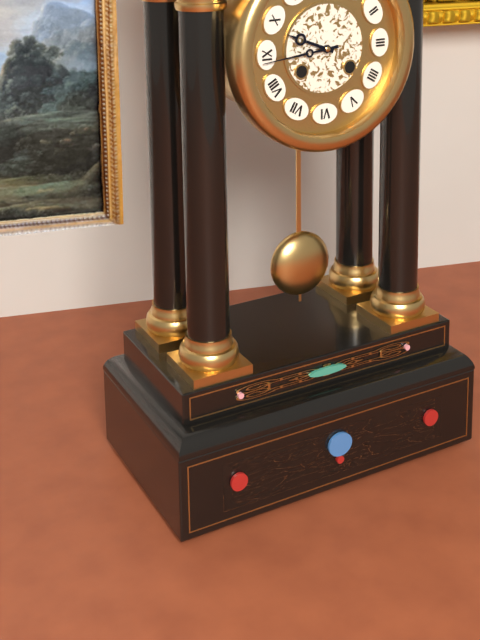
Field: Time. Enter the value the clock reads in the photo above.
9:44
